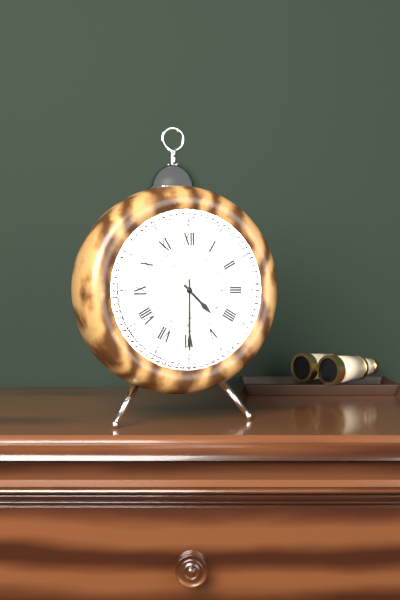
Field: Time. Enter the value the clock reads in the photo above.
4:30
